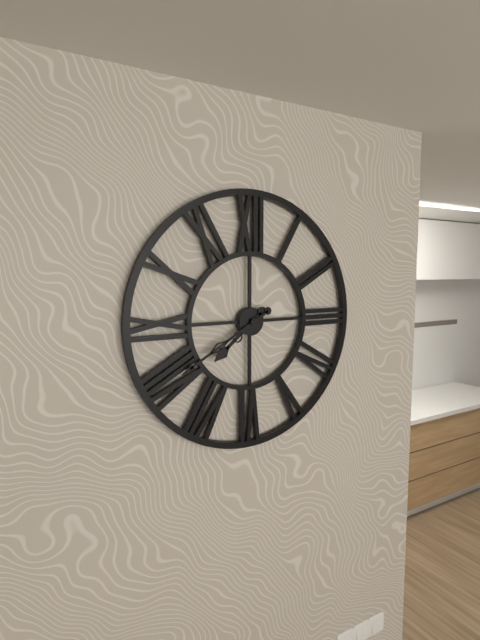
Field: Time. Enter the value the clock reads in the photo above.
7:40
